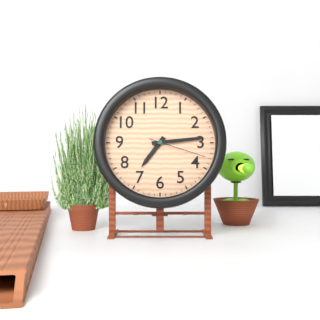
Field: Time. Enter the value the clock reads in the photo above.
7:14:18
